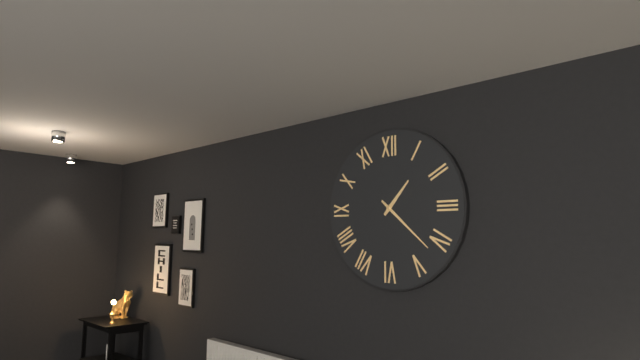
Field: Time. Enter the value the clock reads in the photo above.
1:22
